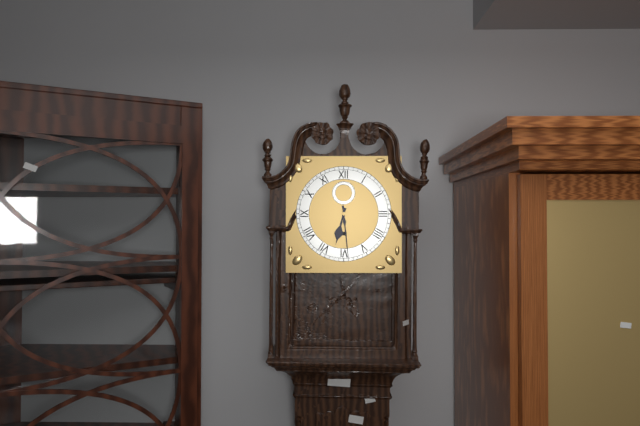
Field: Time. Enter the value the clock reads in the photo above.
6:29
